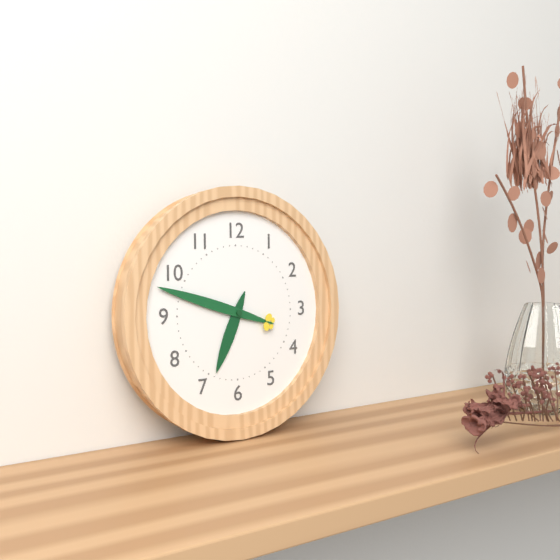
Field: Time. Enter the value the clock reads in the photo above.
6:48
